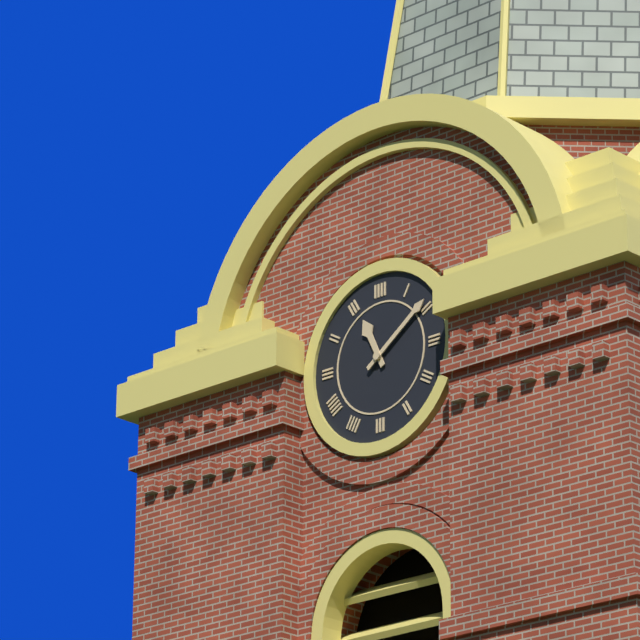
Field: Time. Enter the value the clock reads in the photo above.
11:09
